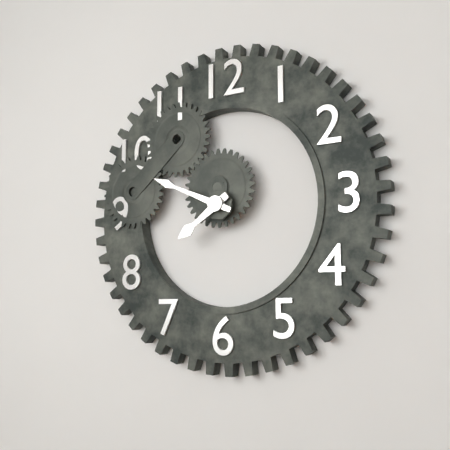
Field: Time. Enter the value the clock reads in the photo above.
7:49
